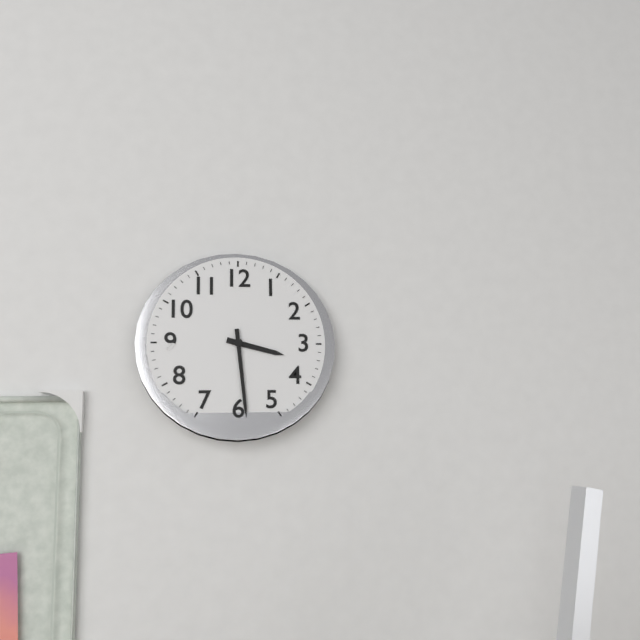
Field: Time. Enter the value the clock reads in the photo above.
3:29
